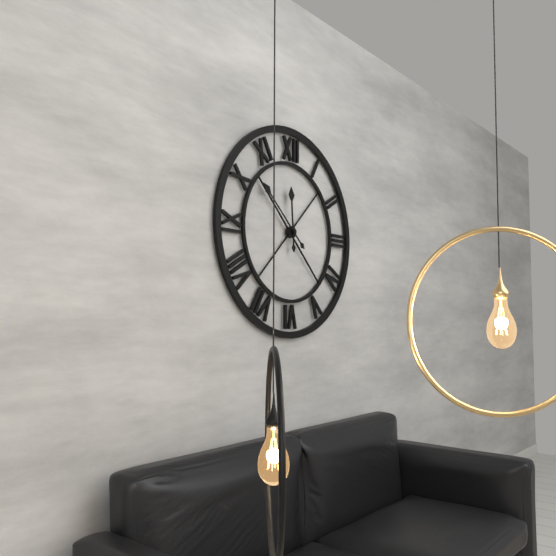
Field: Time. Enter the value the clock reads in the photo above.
11:52
